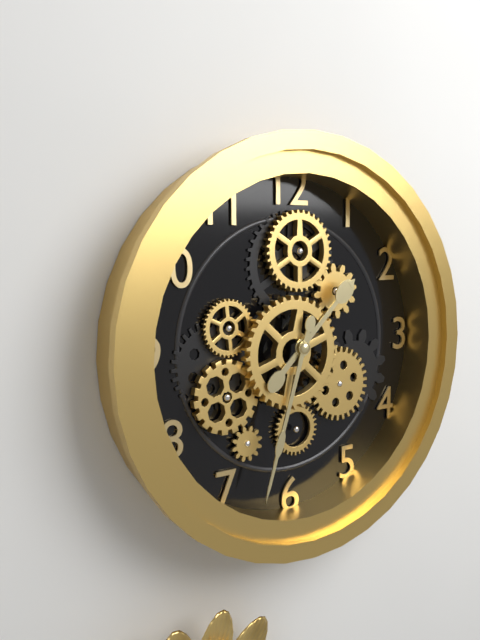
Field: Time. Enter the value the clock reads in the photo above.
1:33
